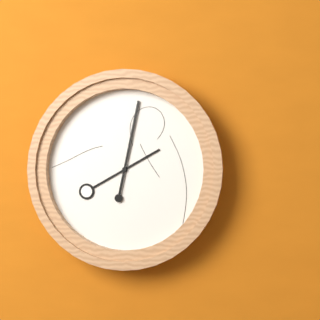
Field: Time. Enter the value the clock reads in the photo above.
2:02
